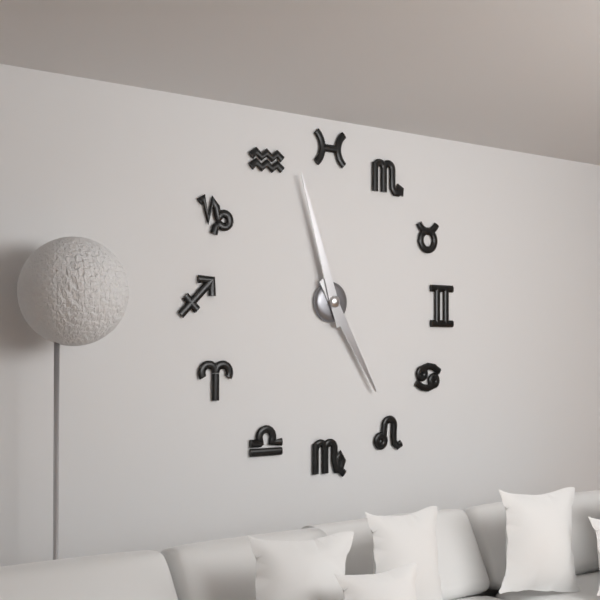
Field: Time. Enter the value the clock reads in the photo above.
4:57
